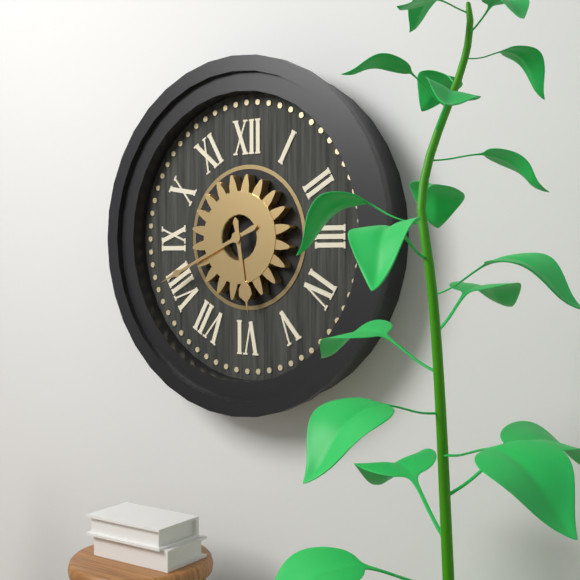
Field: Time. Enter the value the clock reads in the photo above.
5:41
